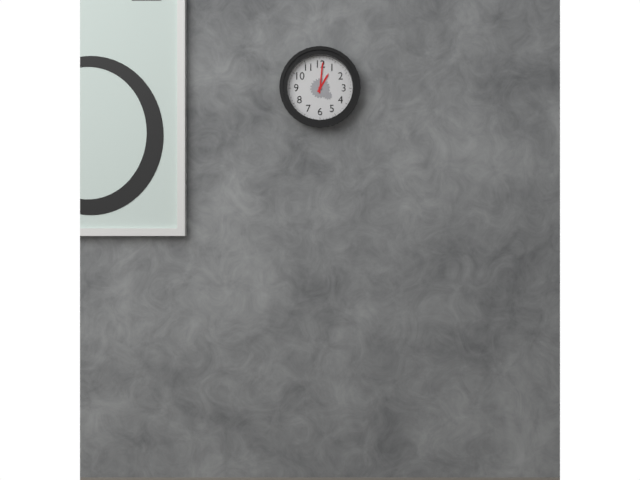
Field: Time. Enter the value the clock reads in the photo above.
1:01
